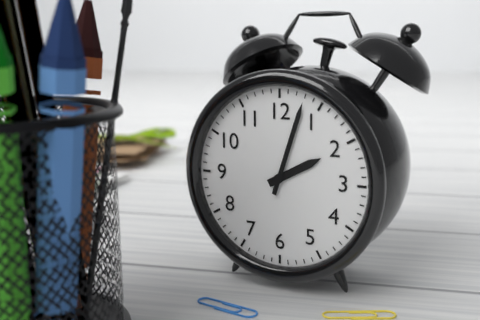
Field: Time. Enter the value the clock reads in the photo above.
2:03
